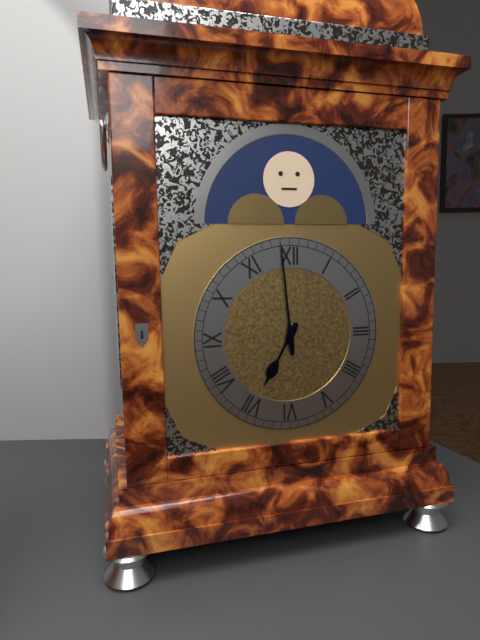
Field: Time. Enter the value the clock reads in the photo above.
6:59
